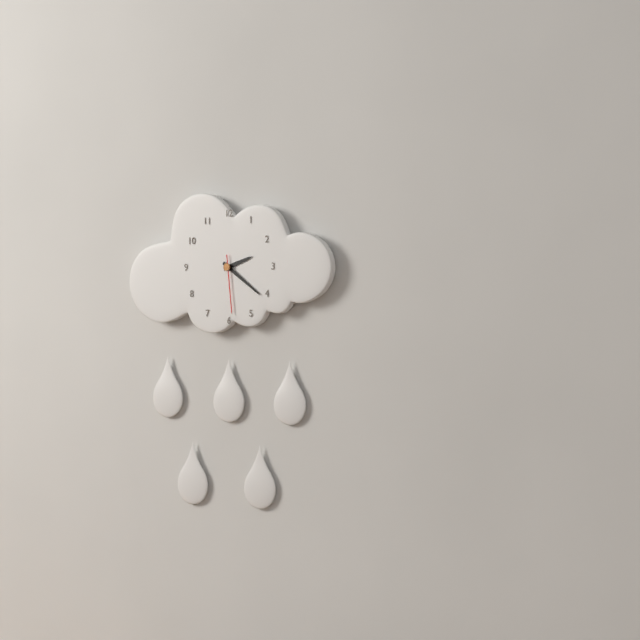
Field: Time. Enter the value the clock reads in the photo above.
2:21:29
